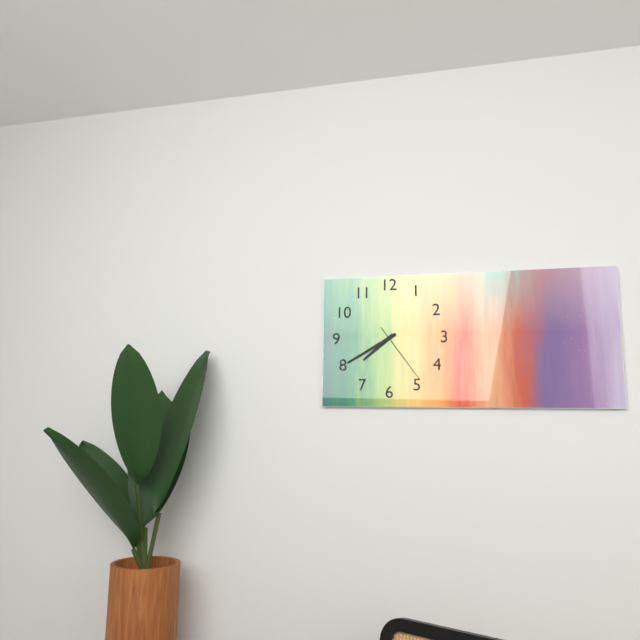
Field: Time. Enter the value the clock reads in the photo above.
7:40:24
